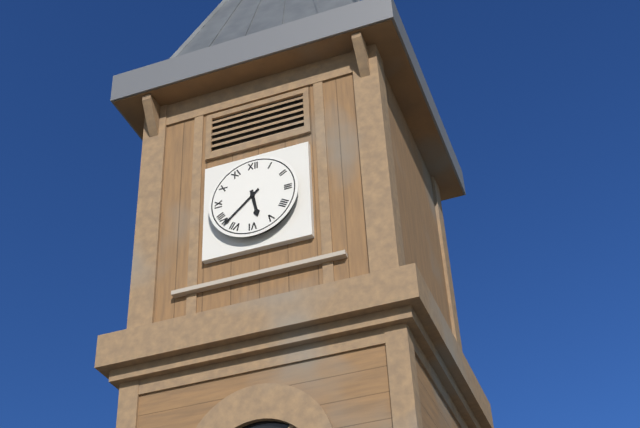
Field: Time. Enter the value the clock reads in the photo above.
5:38
